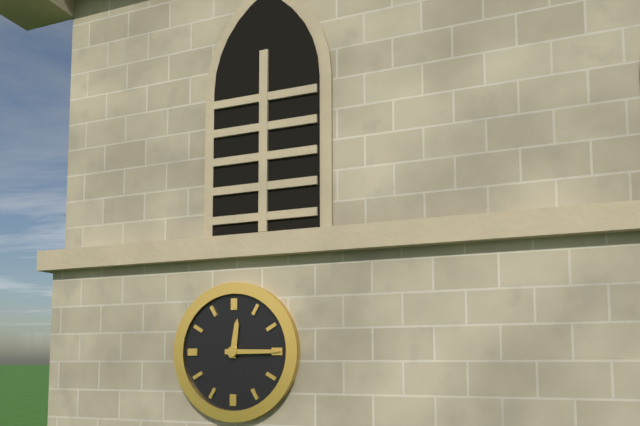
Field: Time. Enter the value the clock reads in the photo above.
12:15
